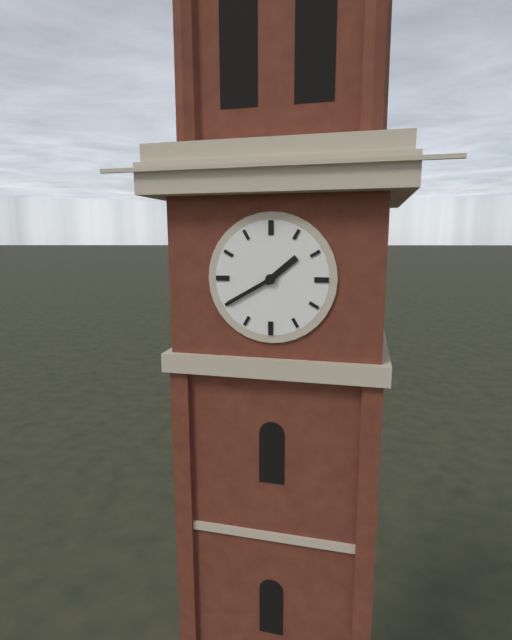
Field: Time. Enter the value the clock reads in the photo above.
1:40
